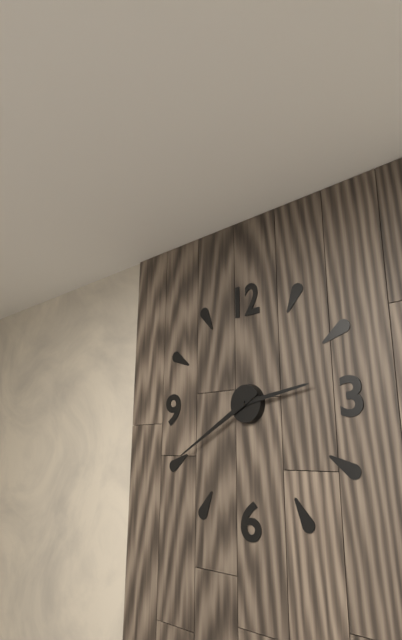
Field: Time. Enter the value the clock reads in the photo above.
2:40
